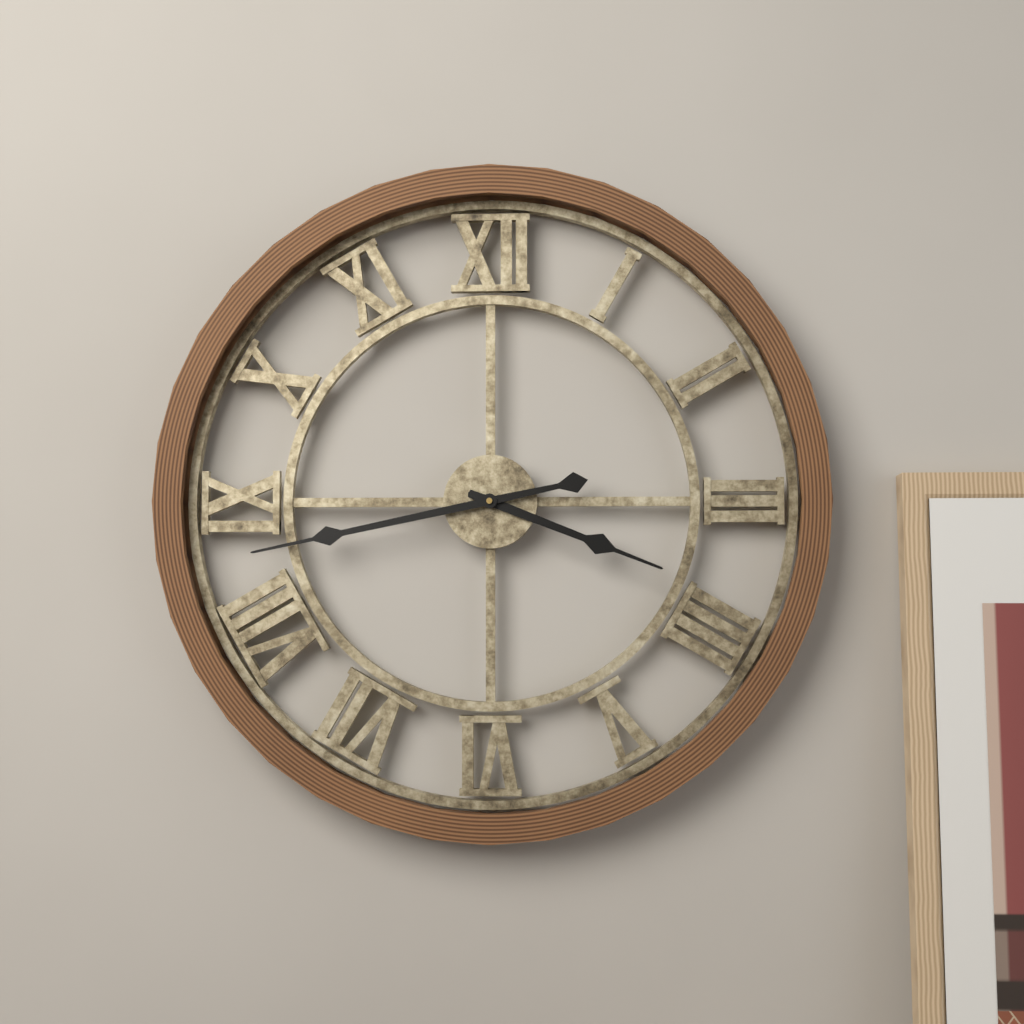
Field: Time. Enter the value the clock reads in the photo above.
3:43
